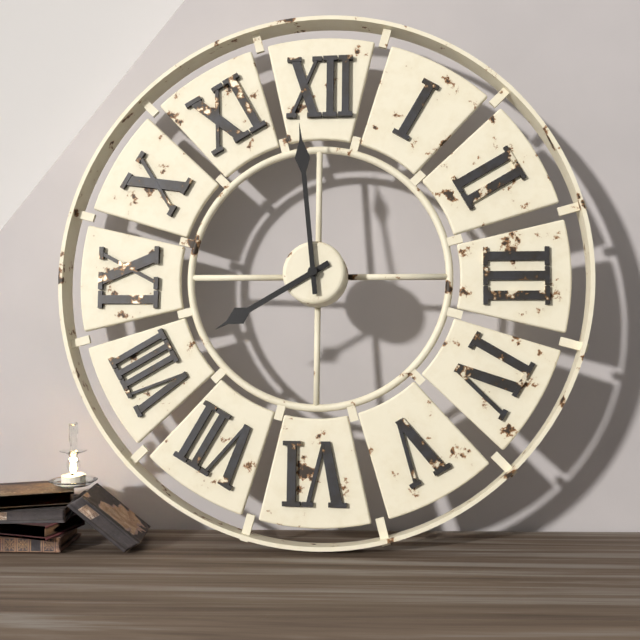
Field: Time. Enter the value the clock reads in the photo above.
7:59
